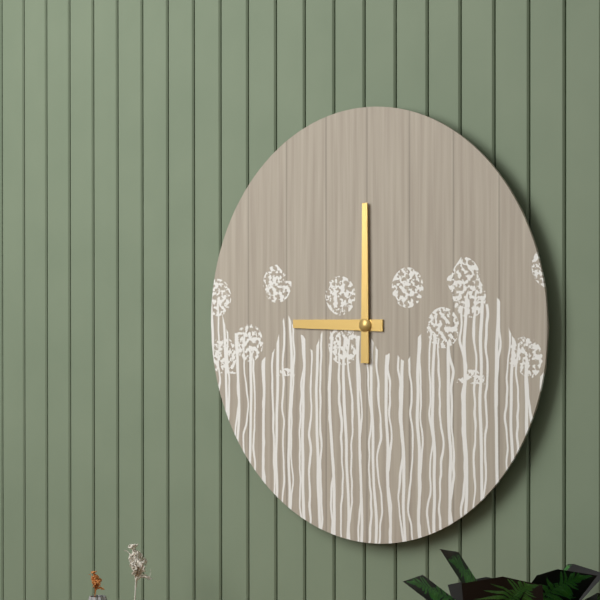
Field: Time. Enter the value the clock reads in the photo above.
9:00
